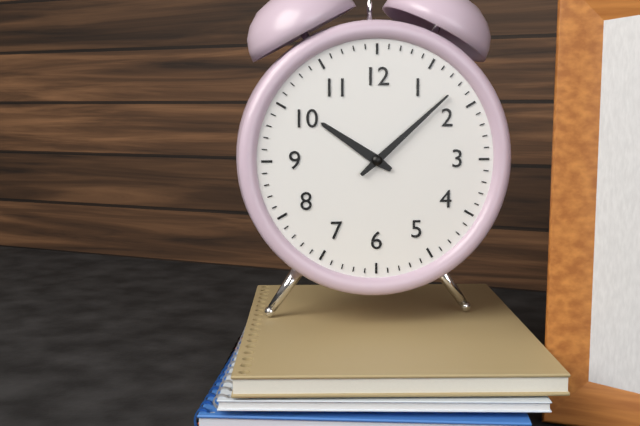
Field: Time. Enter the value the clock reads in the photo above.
10:08
